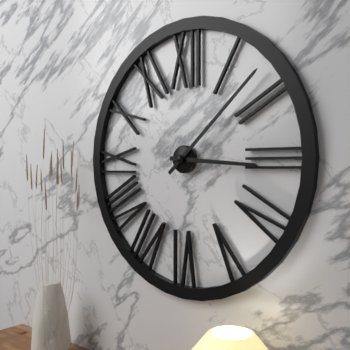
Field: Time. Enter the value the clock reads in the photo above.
3:08
